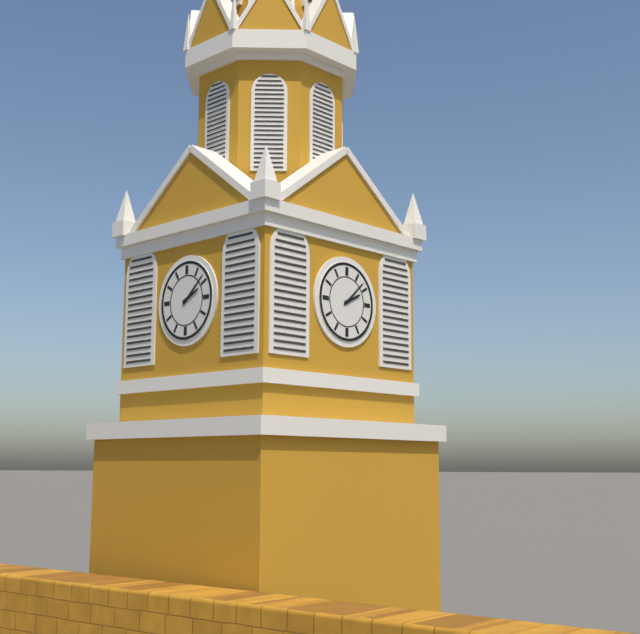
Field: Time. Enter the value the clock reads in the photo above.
2:08
